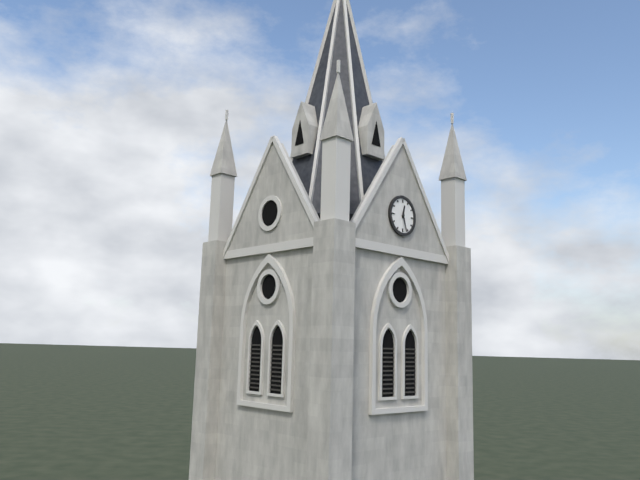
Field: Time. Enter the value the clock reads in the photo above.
12:27
